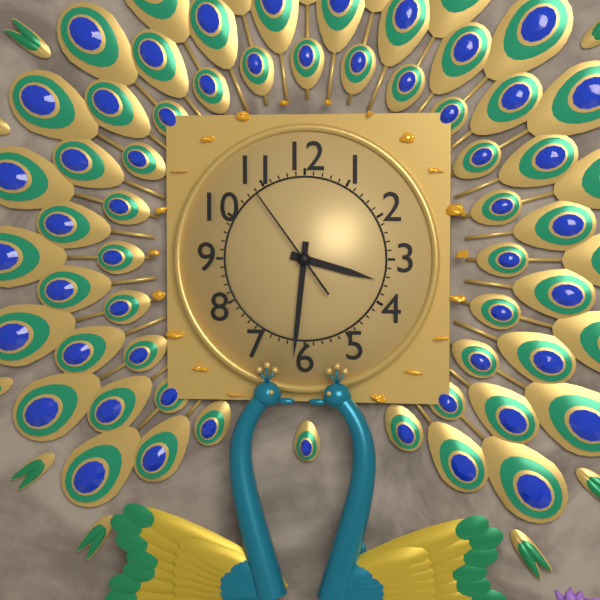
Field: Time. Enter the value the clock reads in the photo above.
3:31:54
